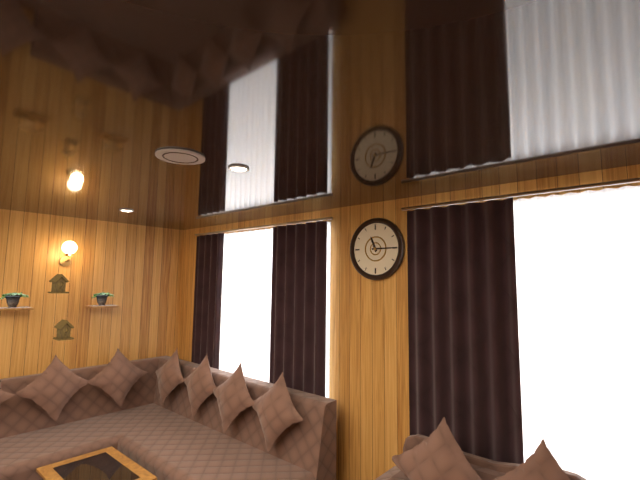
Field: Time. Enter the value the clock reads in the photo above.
11:15
